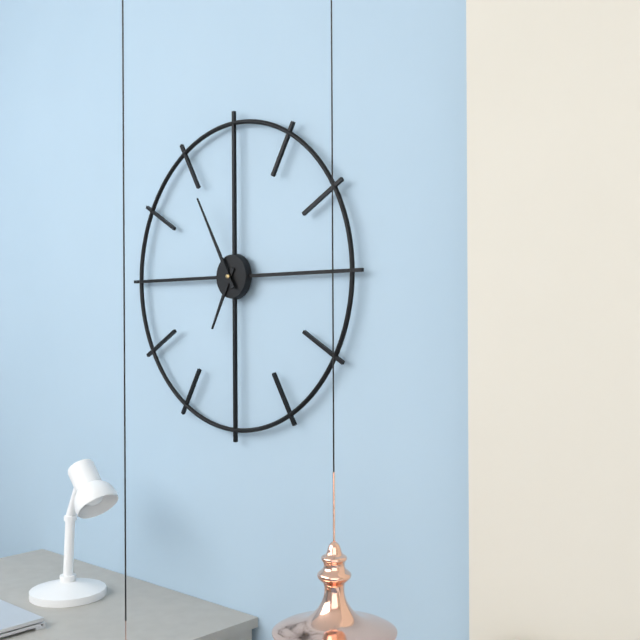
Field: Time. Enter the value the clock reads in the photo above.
6:55
